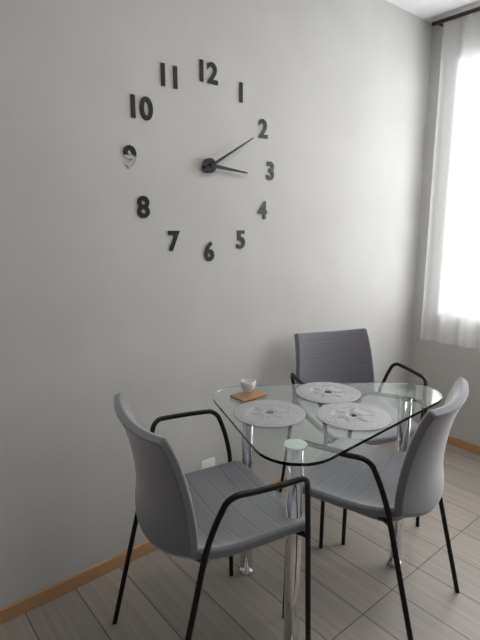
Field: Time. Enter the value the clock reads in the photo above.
3:10
